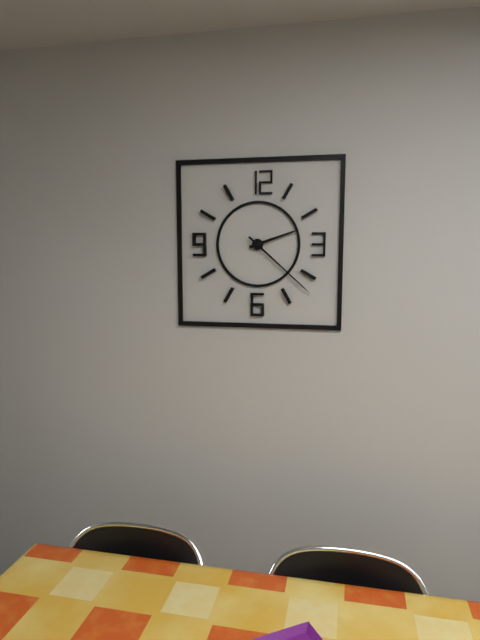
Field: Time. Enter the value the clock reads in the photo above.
2:22
